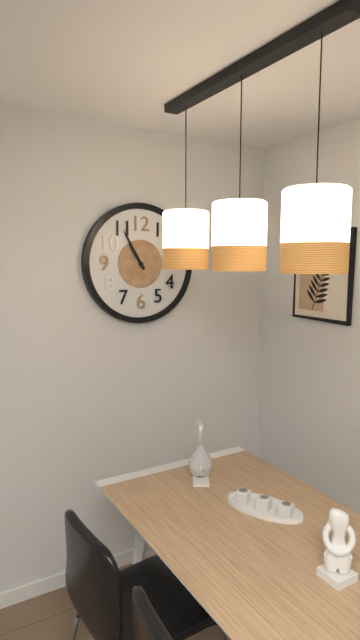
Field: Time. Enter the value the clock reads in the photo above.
10:55
